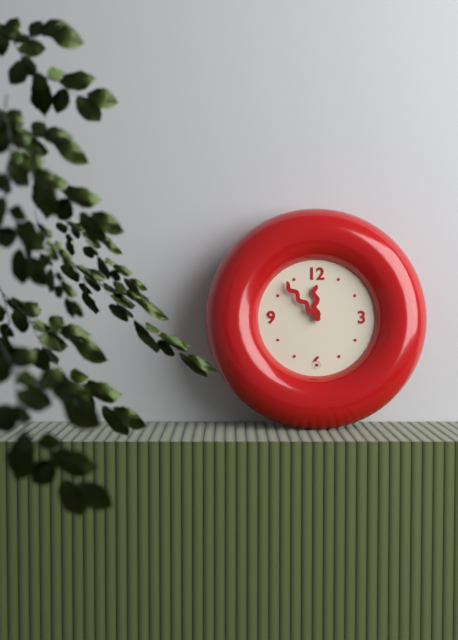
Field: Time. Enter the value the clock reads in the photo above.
11:53
